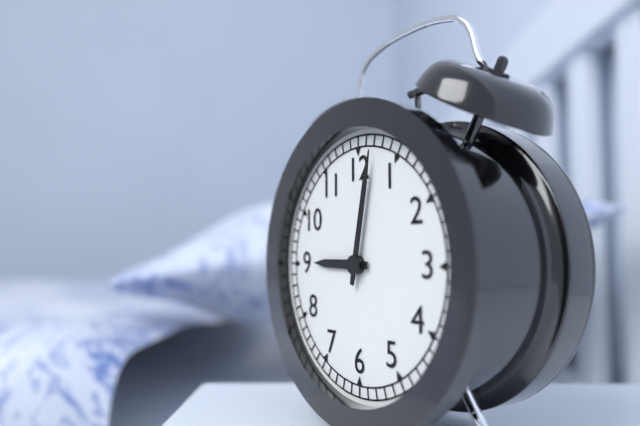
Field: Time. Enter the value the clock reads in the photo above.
9:02
